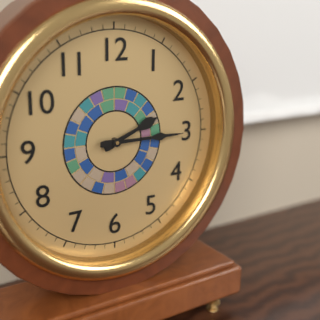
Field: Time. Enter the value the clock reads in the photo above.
2:15
